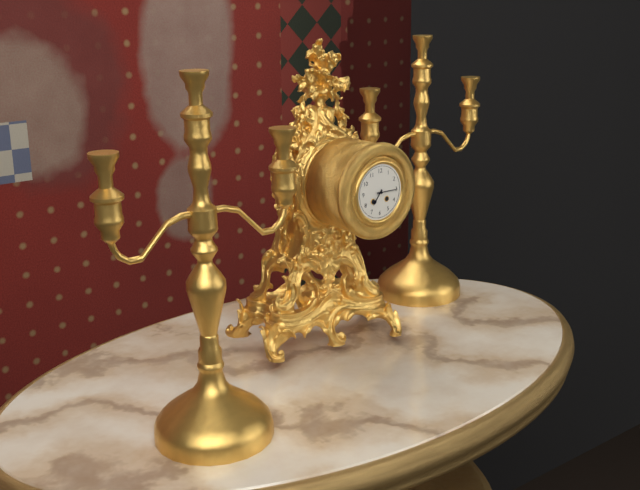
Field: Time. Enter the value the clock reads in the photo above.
7:15
